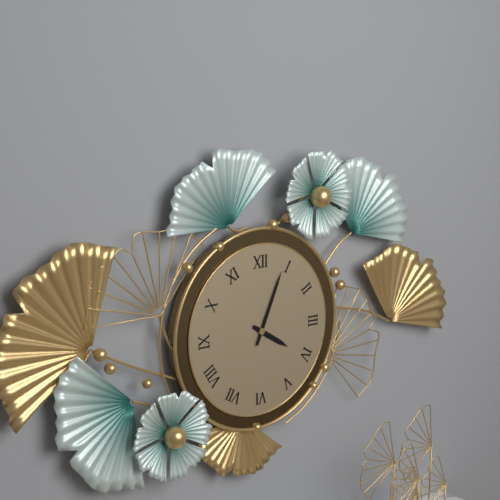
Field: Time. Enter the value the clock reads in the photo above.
4:04
